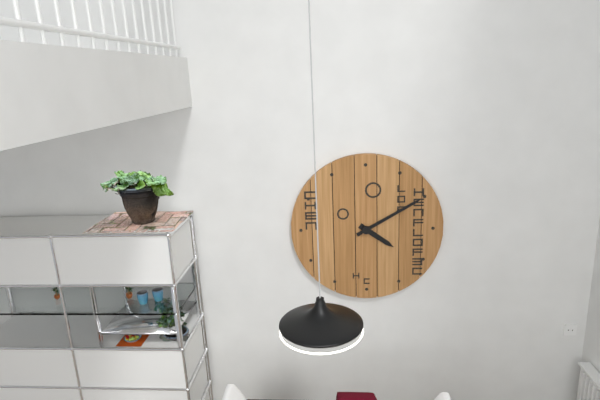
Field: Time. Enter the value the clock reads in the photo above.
4:10
